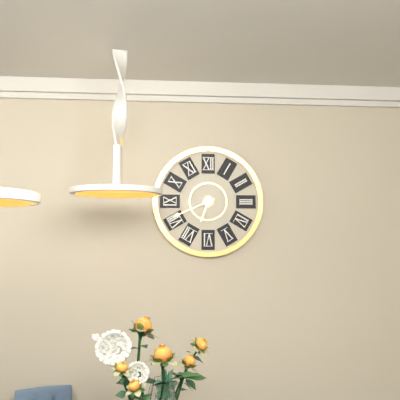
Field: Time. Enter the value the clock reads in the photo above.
6:41
